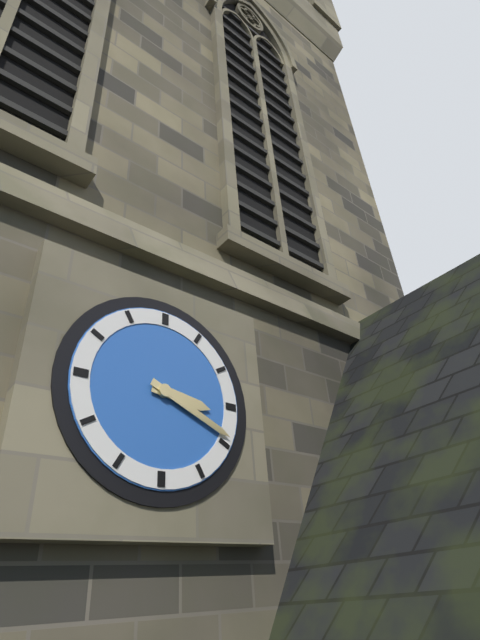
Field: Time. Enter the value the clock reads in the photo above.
3:19
